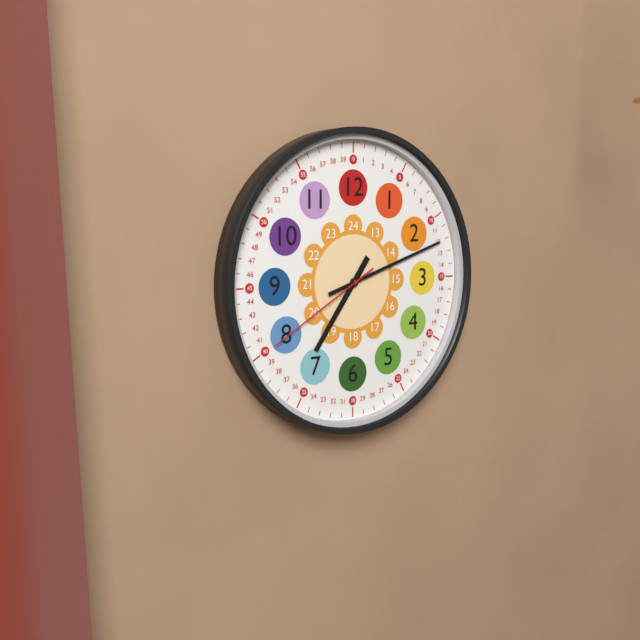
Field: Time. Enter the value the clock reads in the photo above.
7:12:40
